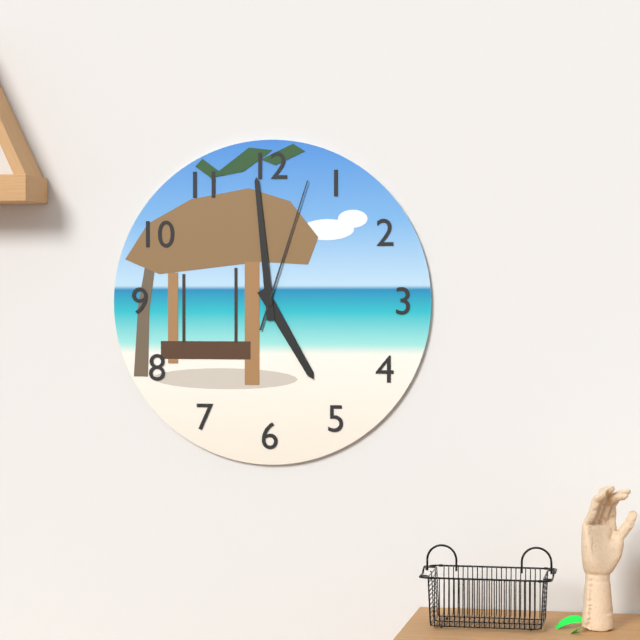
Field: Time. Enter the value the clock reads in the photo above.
4:59:03
